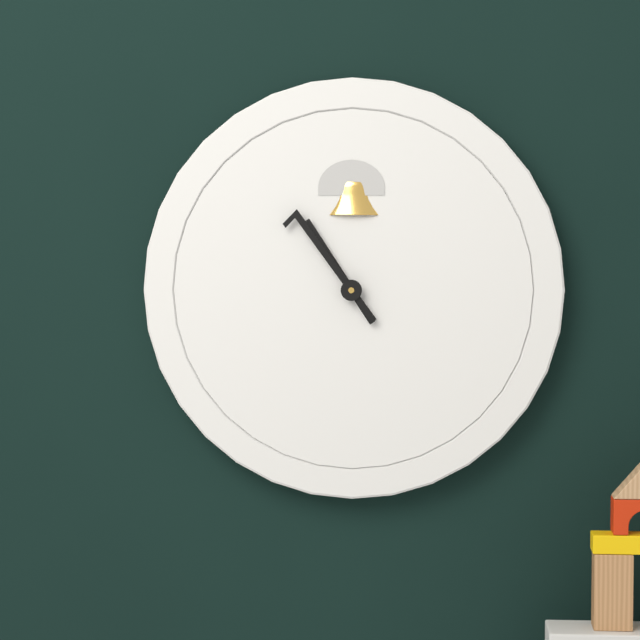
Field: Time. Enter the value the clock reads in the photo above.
10:54
